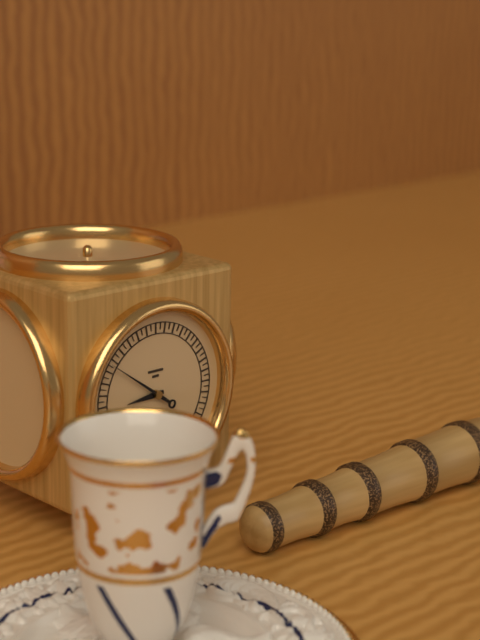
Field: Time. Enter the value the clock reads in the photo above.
8:51
